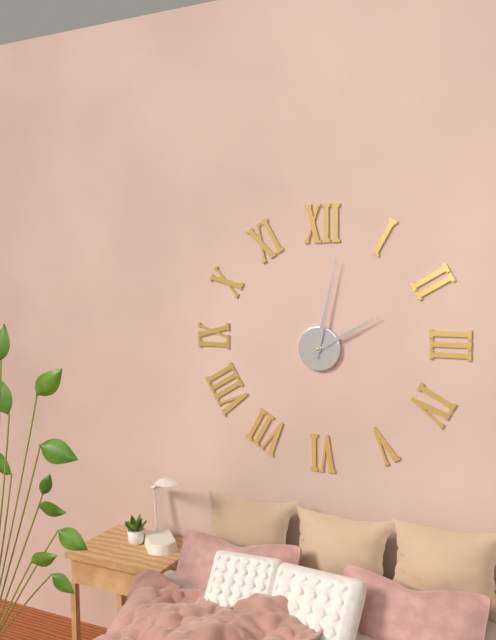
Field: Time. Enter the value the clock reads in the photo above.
2:02
